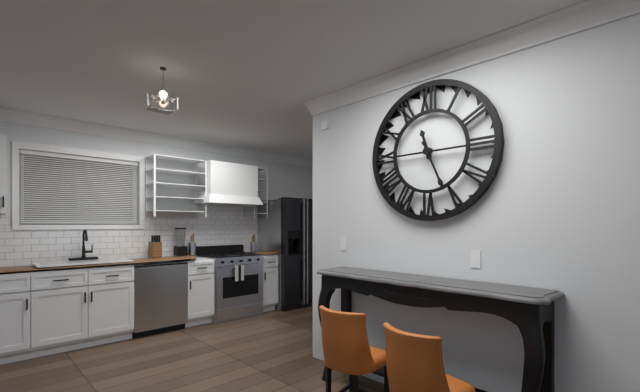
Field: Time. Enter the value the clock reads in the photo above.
11:26
